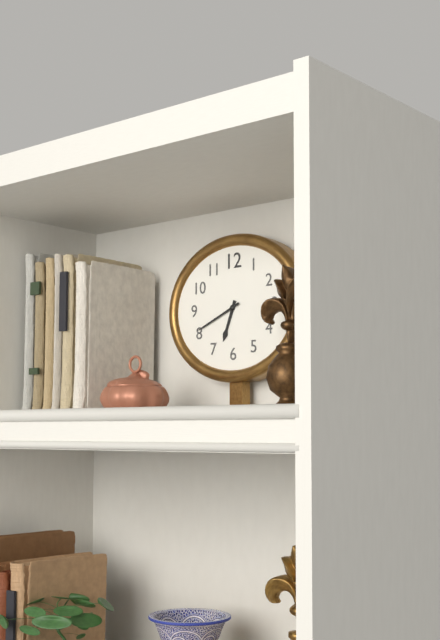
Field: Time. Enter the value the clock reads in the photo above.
6:41
